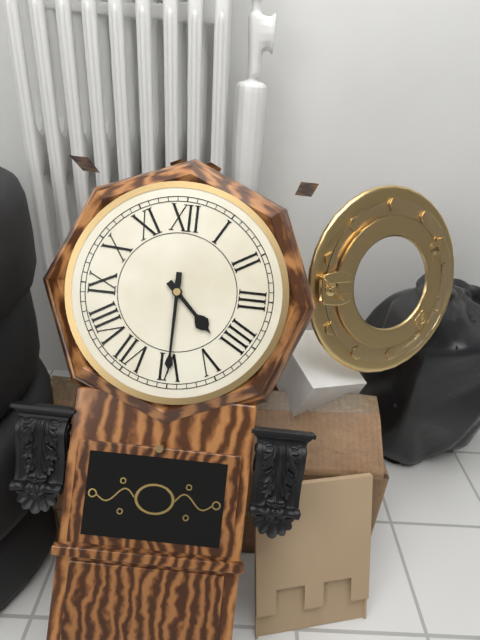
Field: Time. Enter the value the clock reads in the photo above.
4:30
